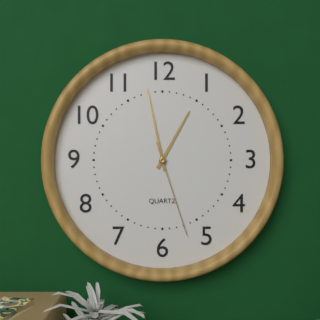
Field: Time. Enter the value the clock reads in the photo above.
12:58:27
